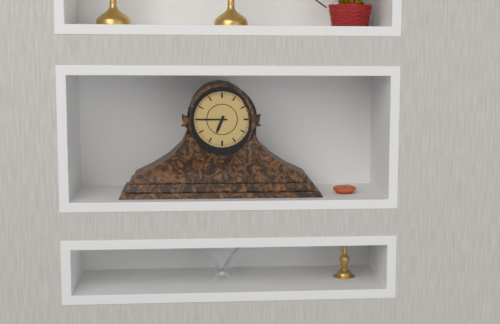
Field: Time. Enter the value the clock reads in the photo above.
6:45
